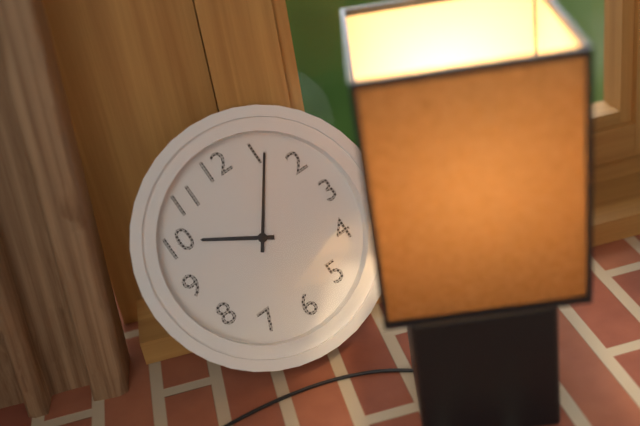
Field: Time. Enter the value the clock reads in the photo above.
10:06
